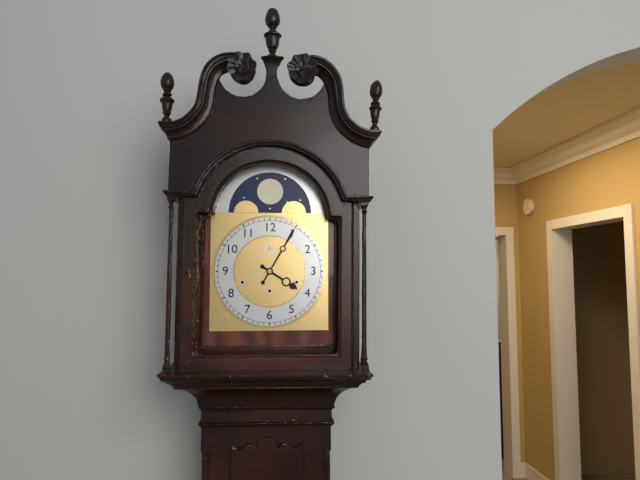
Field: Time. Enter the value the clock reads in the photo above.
4:05
